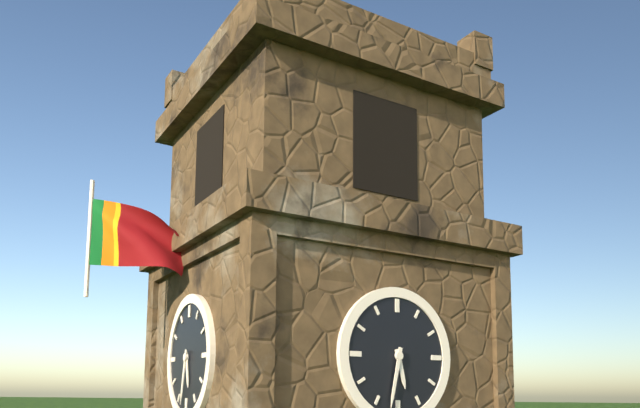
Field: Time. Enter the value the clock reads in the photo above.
5:32
